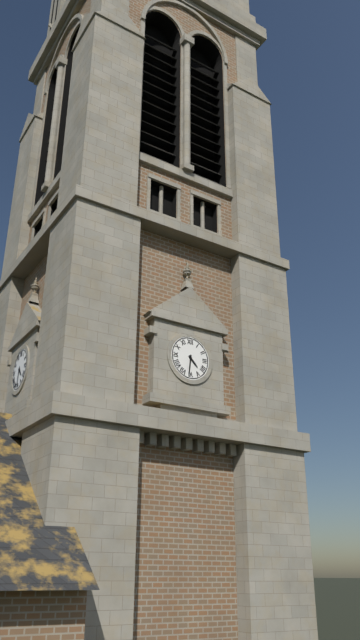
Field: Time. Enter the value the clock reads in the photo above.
4:31
